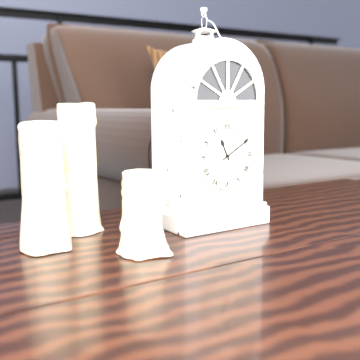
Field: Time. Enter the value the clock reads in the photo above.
11:10
